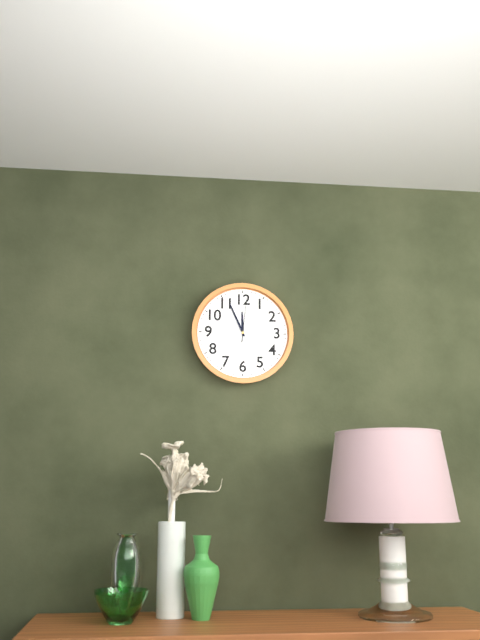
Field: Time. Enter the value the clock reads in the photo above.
11:56
